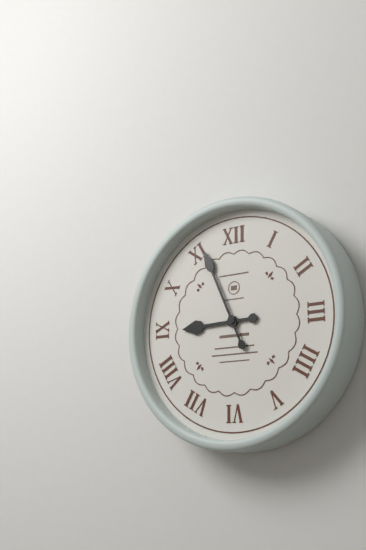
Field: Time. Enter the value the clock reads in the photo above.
8:56
